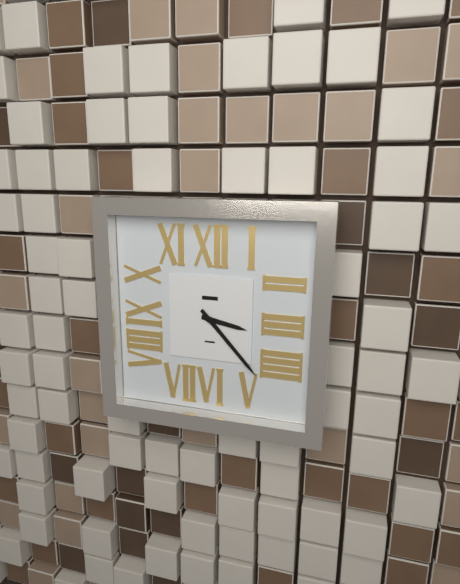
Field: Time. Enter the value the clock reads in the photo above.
3:23
